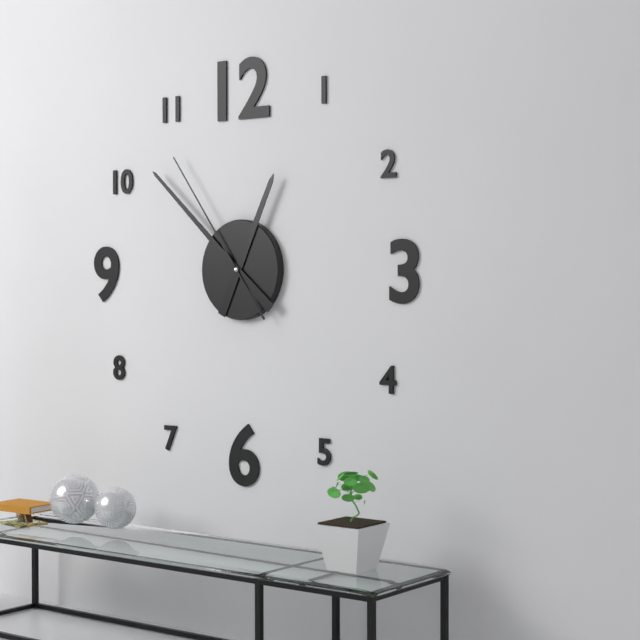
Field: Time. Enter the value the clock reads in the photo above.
12:52:54
